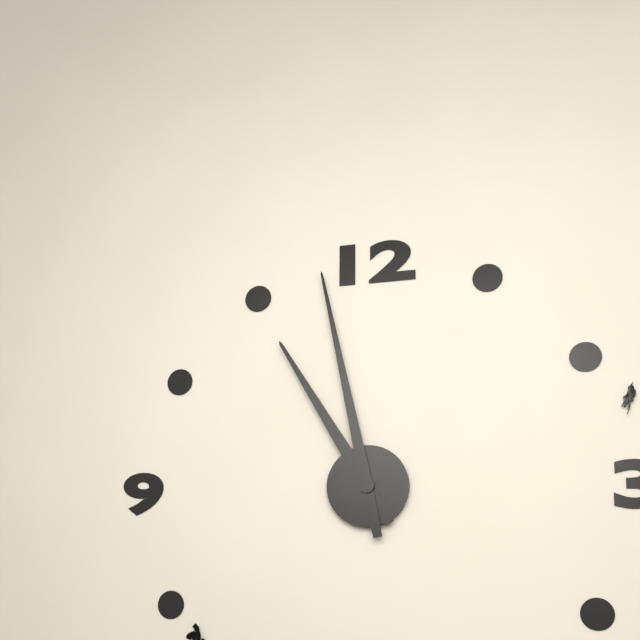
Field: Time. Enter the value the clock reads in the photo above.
10:58
